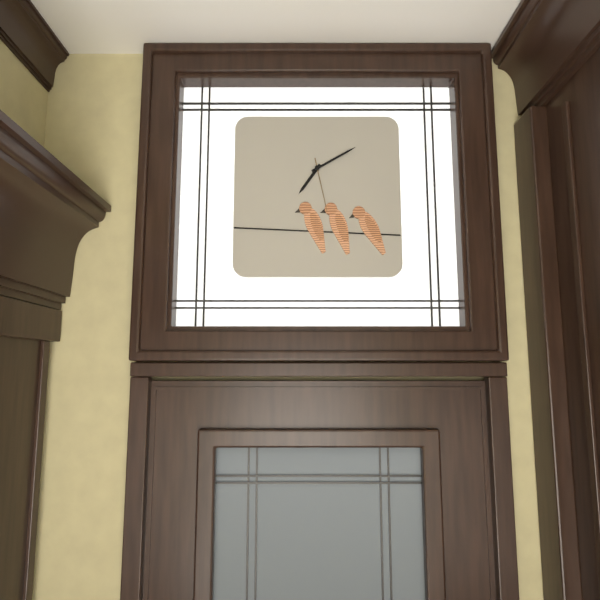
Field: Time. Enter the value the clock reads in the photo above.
7:10:28
